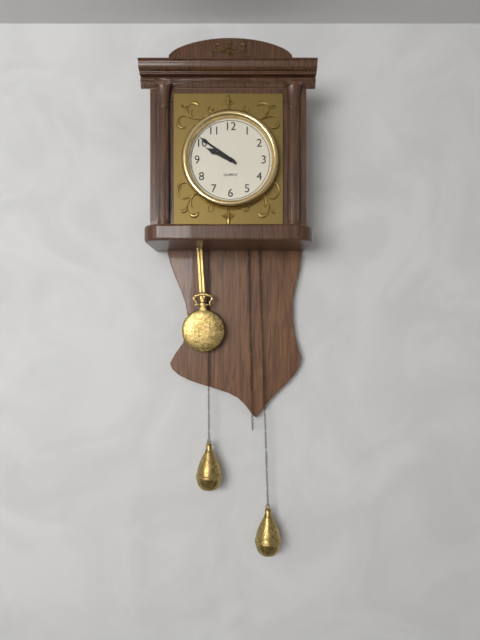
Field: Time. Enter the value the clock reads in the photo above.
9:51
